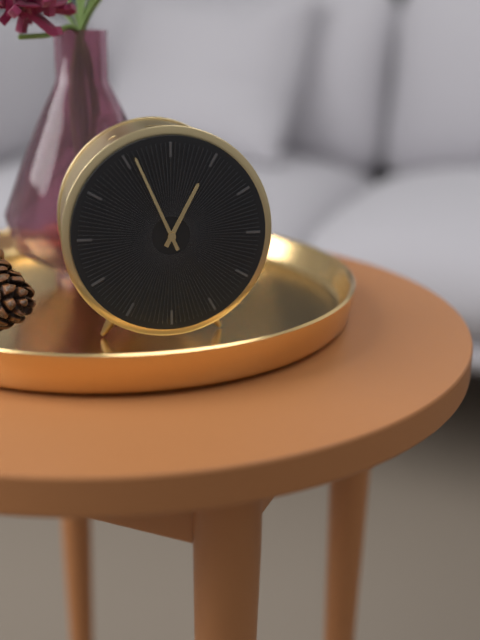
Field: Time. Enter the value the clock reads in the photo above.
12:56
